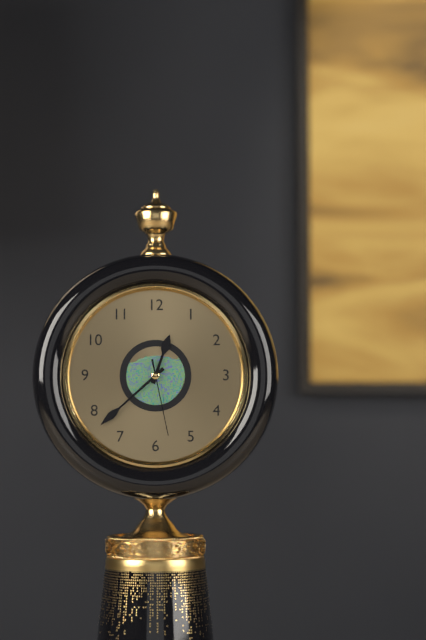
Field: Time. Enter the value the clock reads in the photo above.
12:38:28
